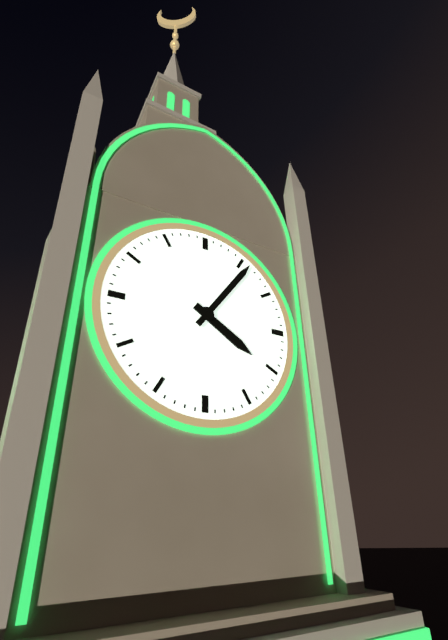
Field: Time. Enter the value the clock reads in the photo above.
4:06
